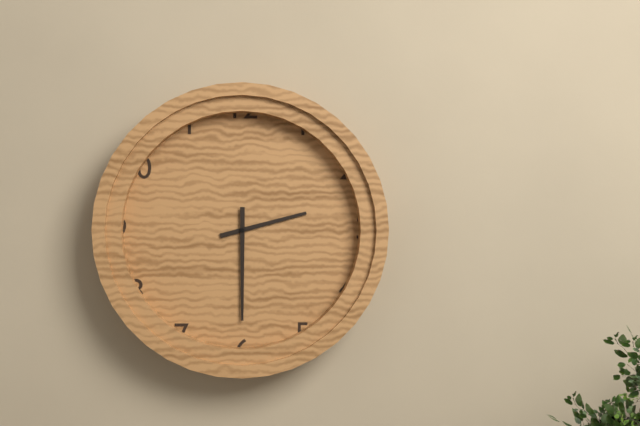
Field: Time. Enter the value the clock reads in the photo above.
2:30
